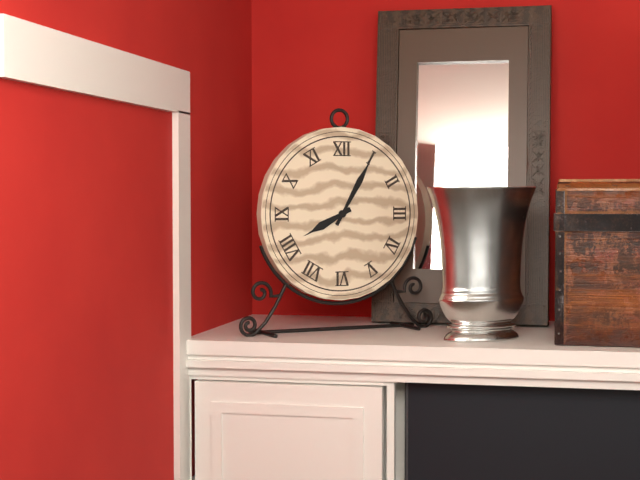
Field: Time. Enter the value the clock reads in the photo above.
8:05
